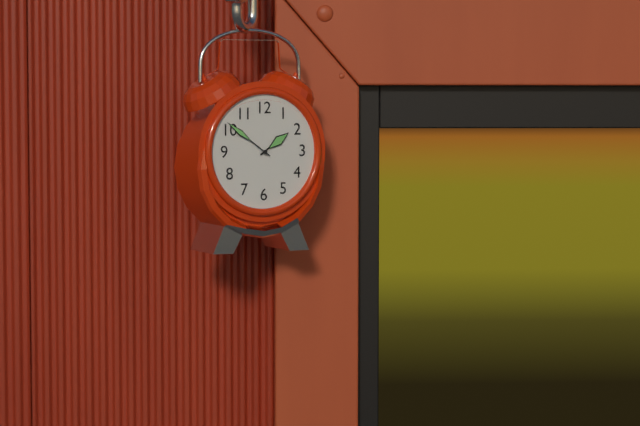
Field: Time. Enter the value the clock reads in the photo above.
1:51
